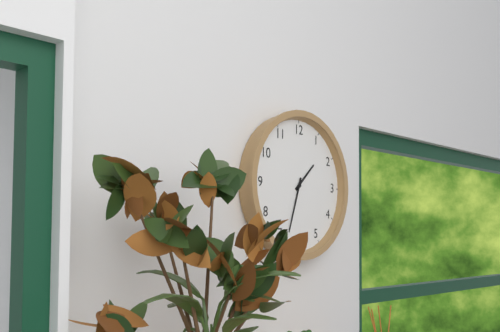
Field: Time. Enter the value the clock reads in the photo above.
1:33
